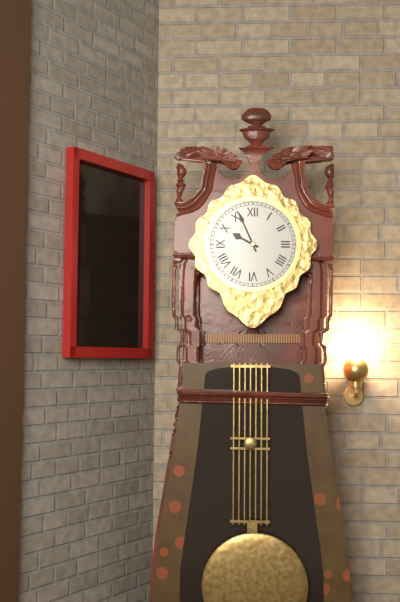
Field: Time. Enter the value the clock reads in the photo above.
9:56
